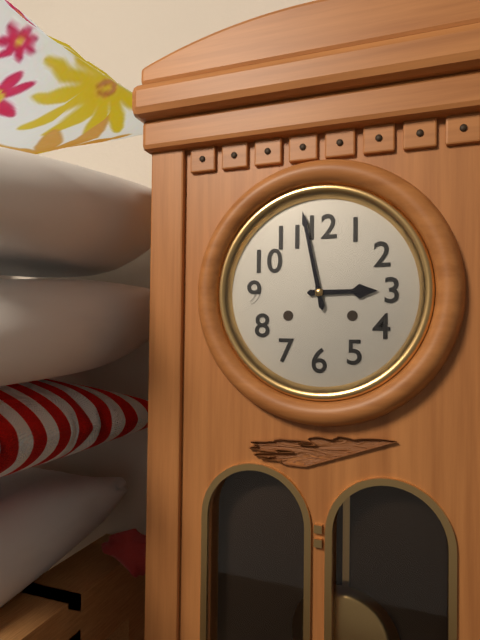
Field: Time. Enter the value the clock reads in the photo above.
2:58
